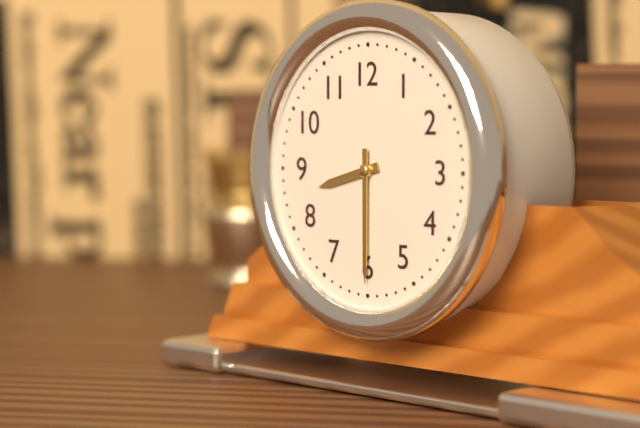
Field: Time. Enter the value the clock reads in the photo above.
8:30
